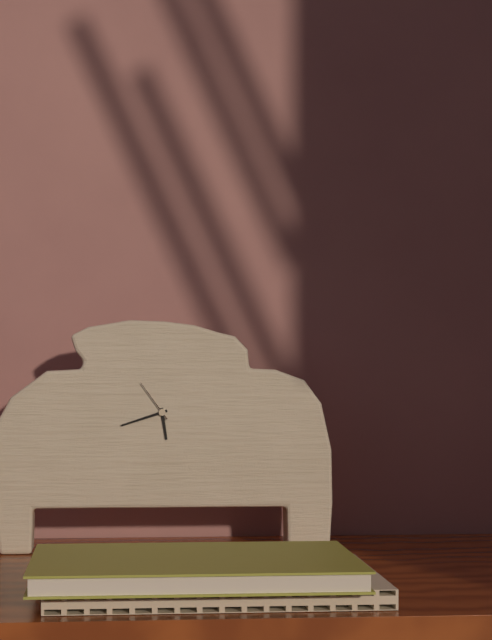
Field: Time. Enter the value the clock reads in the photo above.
5:42
